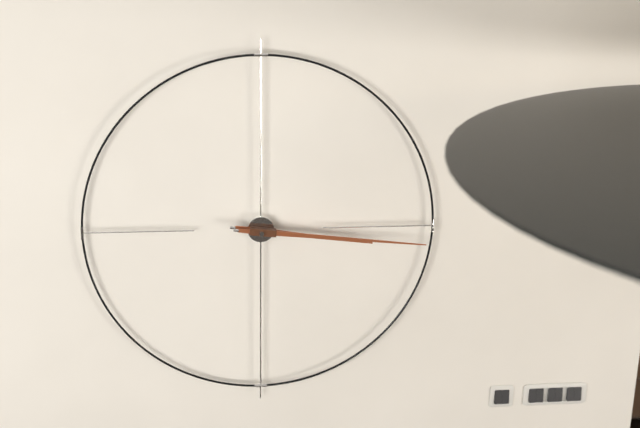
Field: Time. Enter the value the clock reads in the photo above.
3:16
